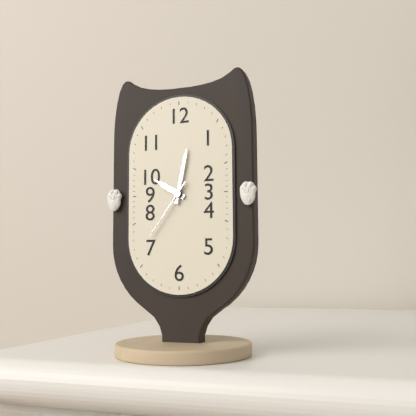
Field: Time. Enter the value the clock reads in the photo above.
10:02:36
